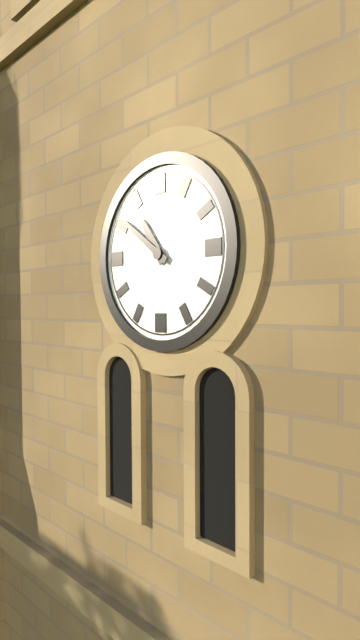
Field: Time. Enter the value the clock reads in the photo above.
10:51
